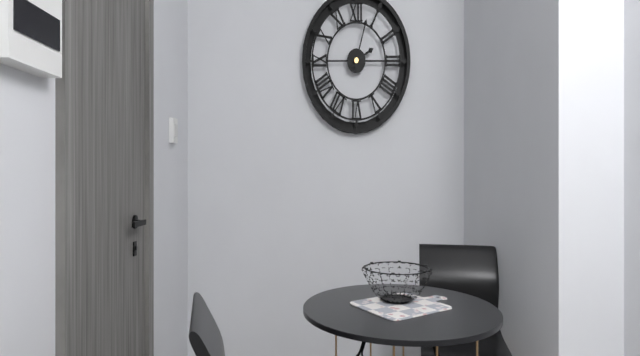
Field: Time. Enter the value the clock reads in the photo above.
2:03
